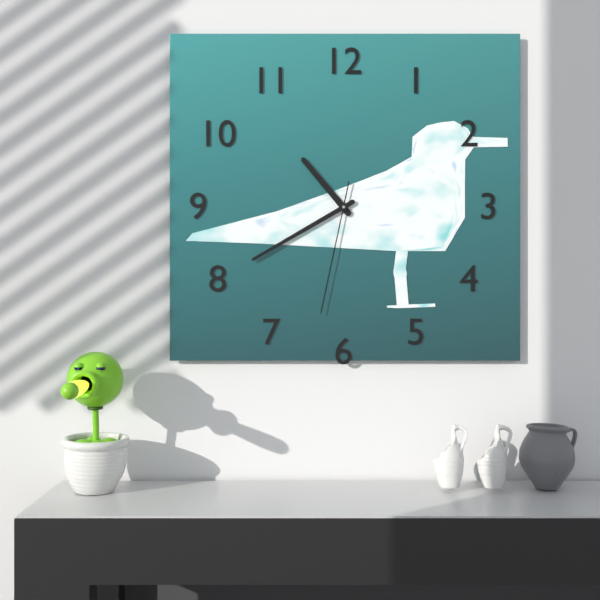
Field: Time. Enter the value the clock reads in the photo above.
10:40:32
